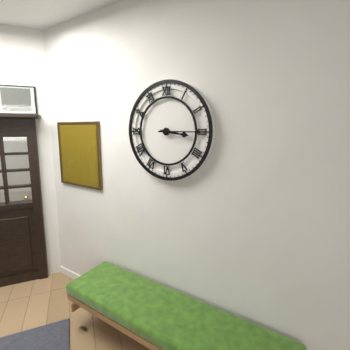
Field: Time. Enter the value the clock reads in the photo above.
3:15
